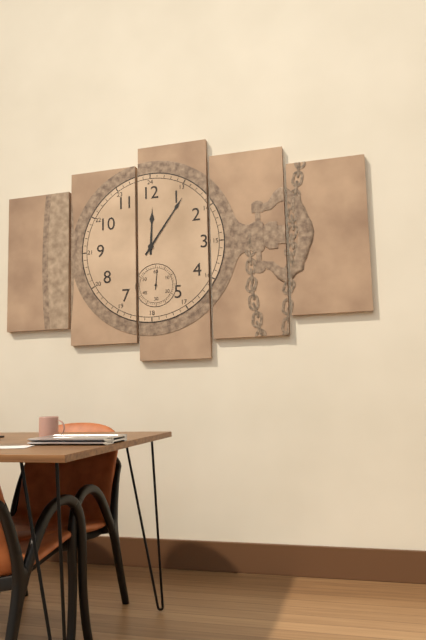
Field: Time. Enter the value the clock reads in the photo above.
12:06
